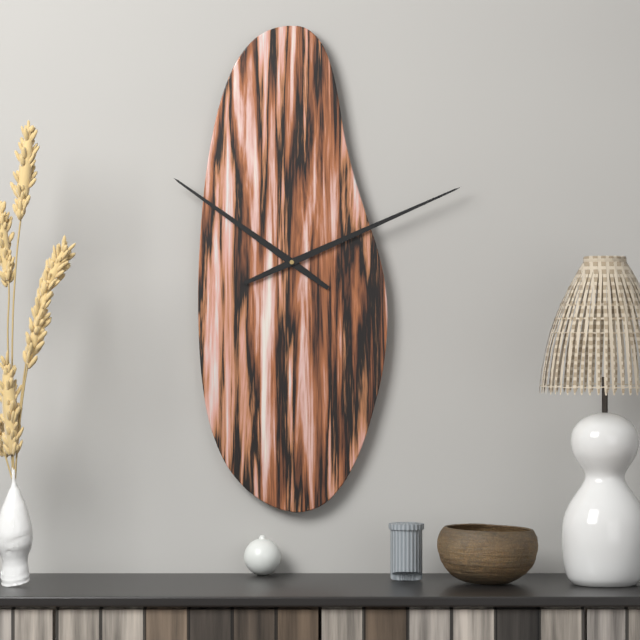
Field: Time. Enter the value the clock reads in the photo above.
10:11
